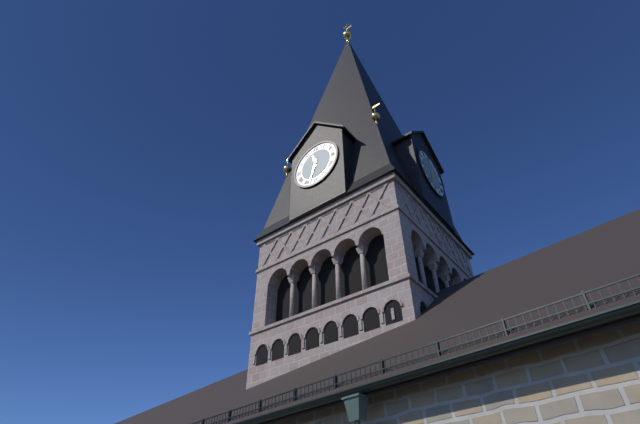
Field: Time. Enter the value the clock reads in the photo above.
11:33
